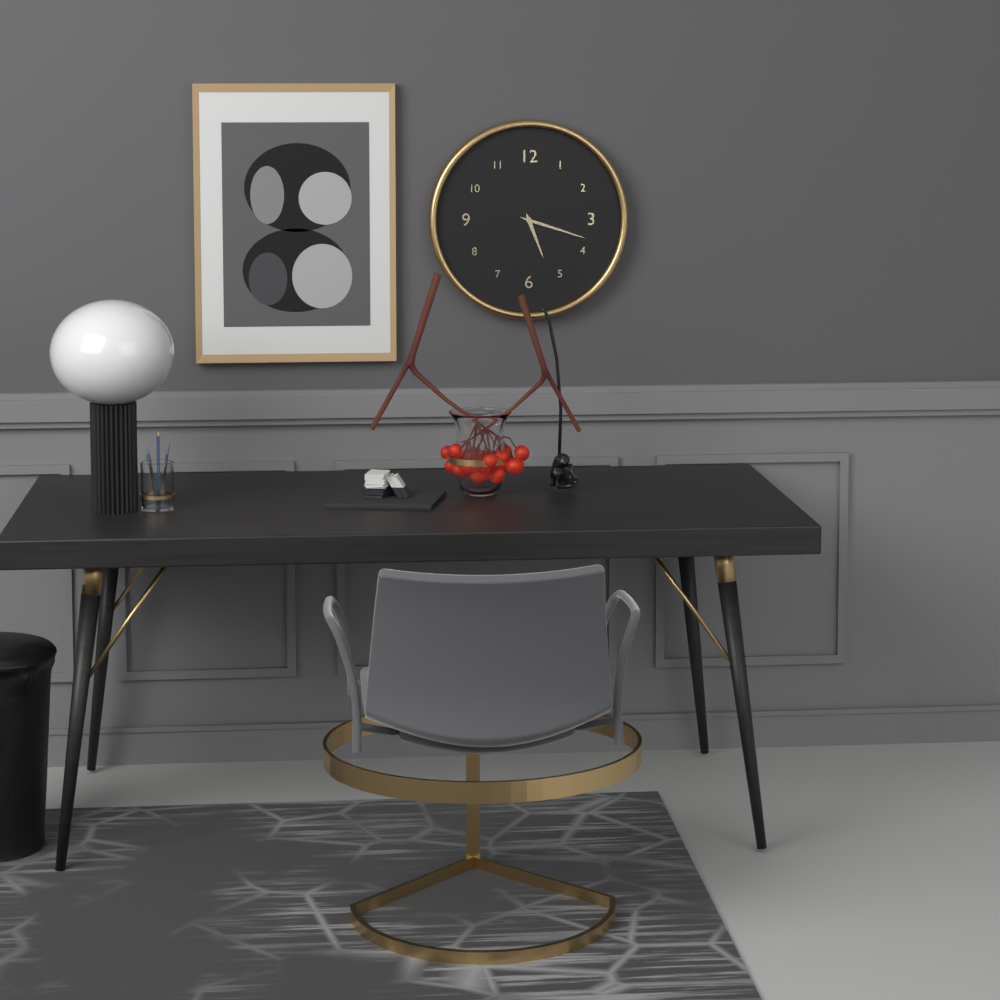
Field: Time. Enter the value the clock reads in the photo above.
5:18
